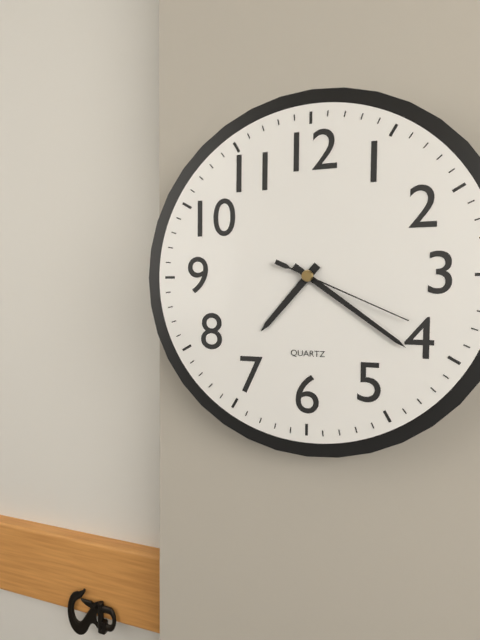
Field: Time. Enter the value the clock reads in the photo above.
7:21:19
